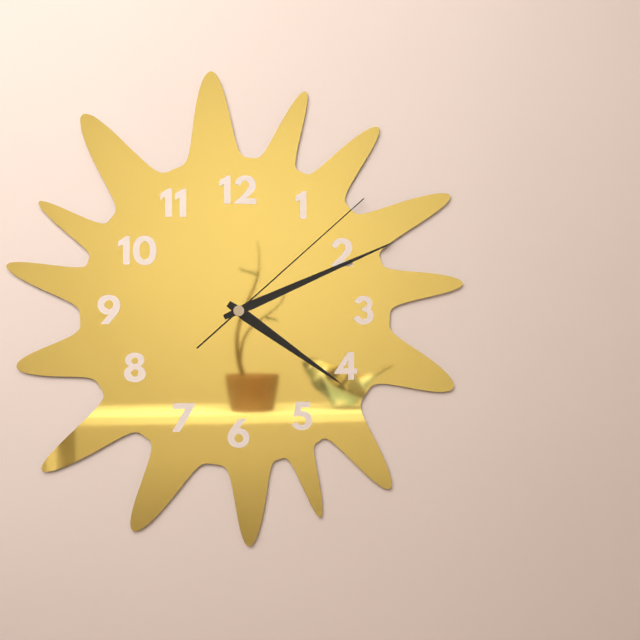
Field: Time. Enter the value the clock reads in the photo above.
4:11:08
